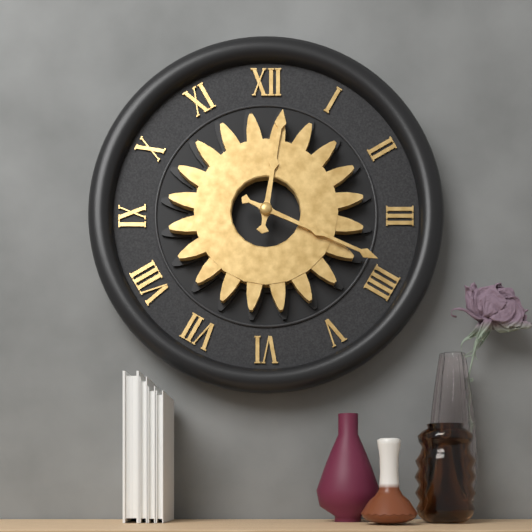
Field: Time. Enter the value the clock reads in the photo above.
12:19
